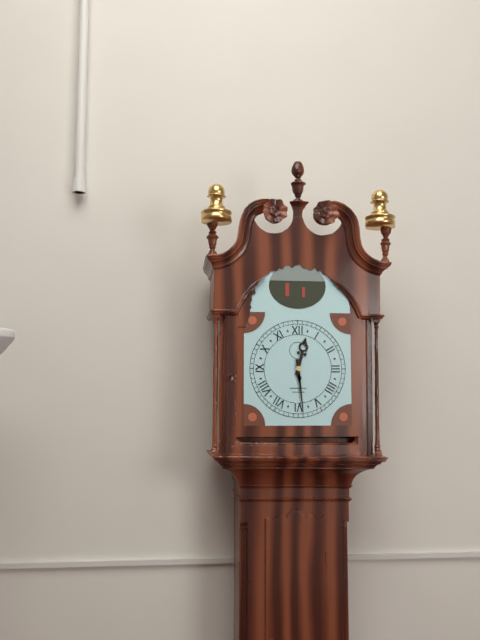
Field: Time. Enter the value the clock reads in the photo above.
12:29
